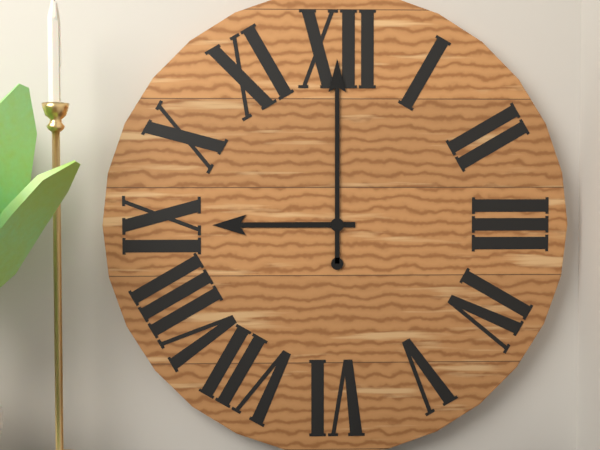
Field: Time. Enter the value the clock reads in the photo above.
9:00
